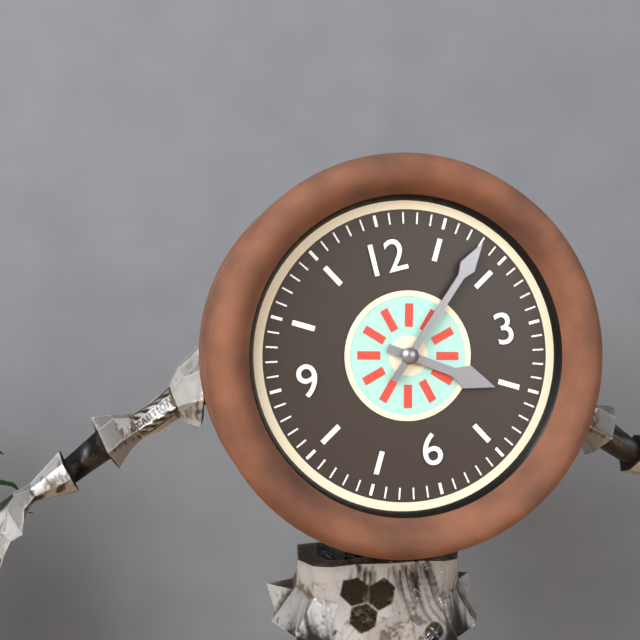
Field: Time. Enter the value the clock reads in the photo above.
4:08
